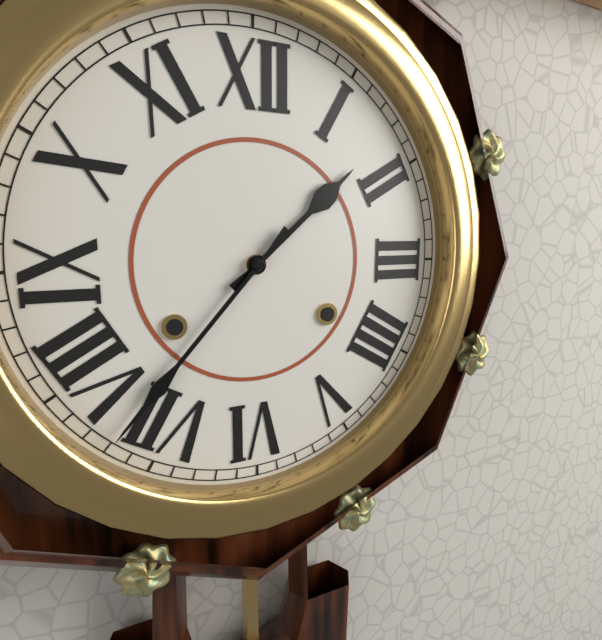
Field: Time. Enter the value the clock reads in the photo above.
1:37
